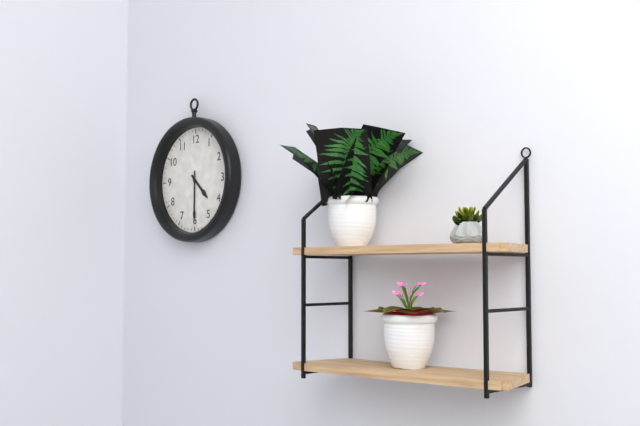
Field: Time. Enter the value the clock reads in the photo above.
4:30
